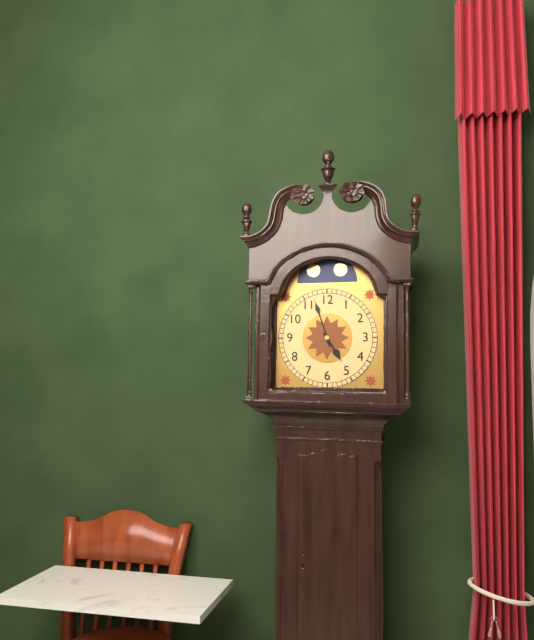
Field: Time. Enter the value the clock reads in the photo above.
4:57
